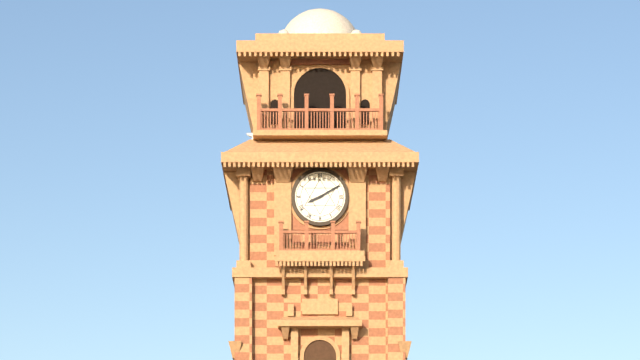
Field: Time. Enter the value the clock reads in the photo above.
8:10
